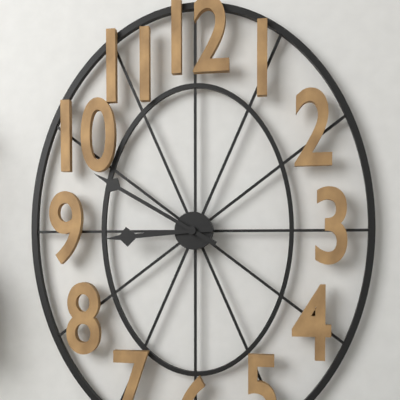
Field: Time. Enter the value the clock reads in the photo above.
8:50
